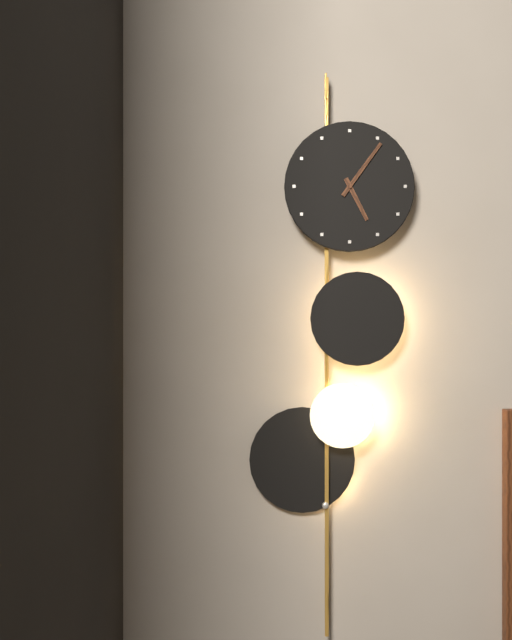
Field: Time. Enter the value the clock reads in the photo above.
5:06
